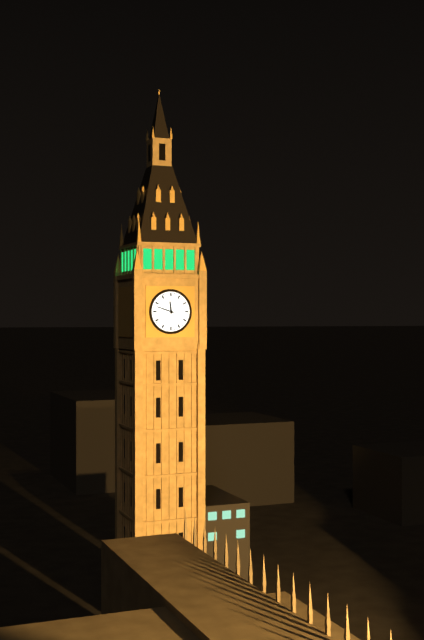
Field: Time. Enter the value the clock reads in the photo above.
11:48
